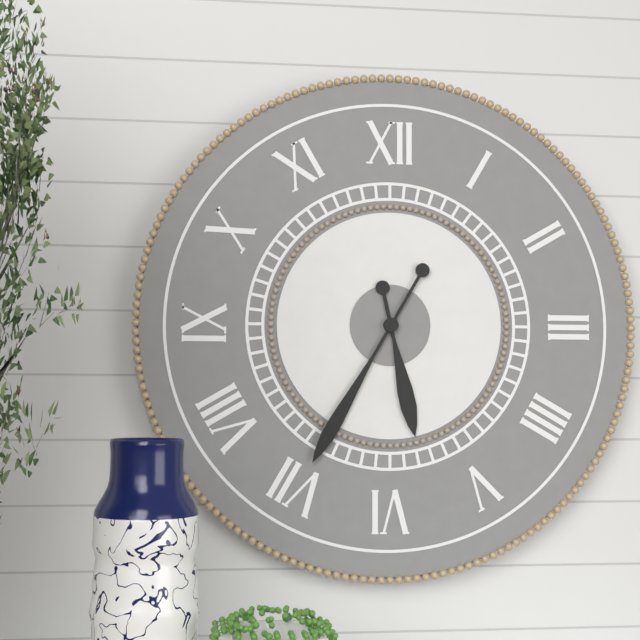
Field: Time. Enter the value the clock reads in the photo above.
5:35
